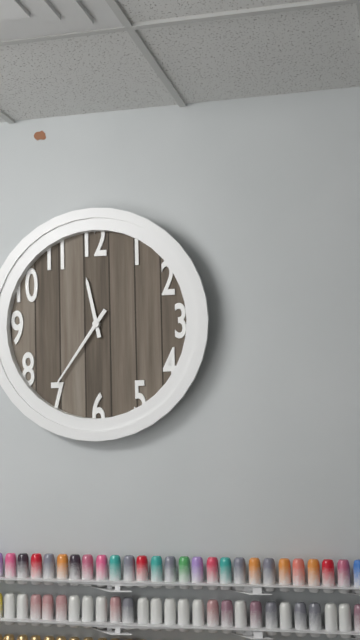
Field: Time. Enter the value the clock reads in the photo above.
11:36
